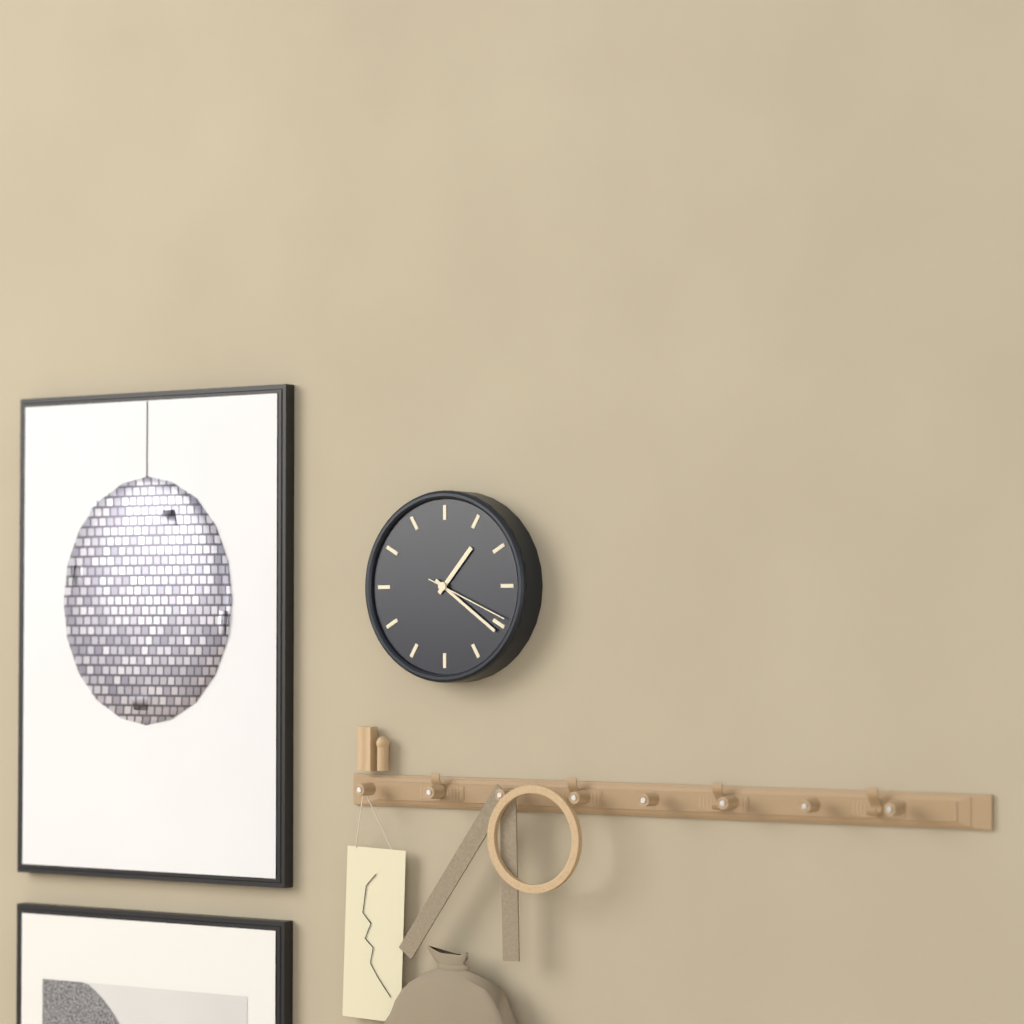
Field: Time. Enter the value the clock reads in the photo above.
1:21:19
